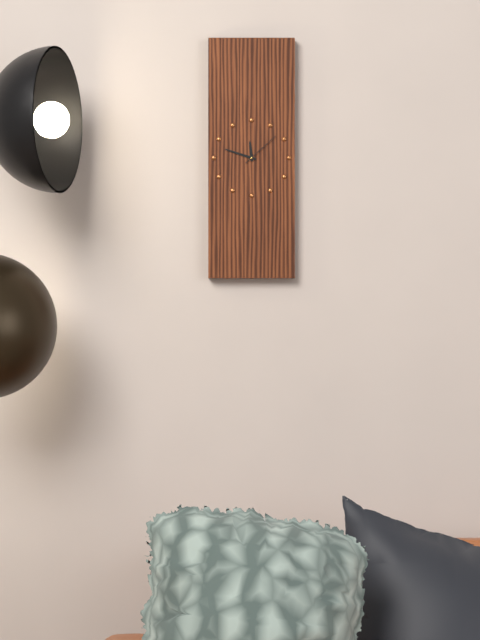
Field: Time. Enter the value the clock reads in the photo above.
11:48
